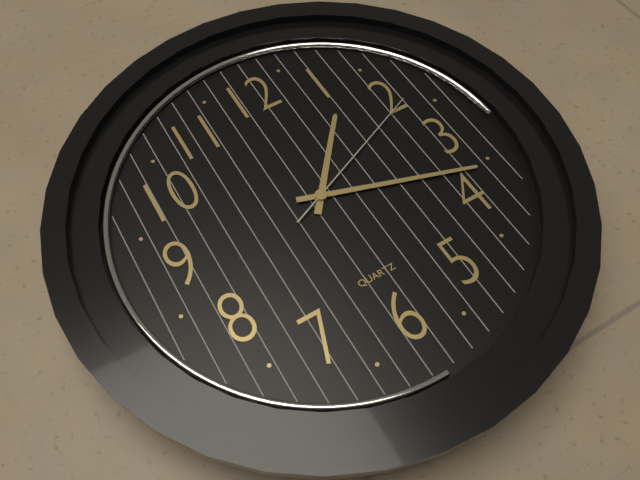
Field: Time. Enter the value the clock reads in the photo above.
1:18:11
